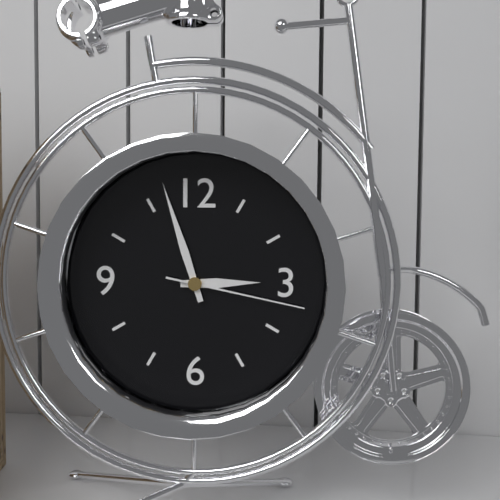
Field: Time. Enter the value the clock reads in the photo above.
2:57:17
